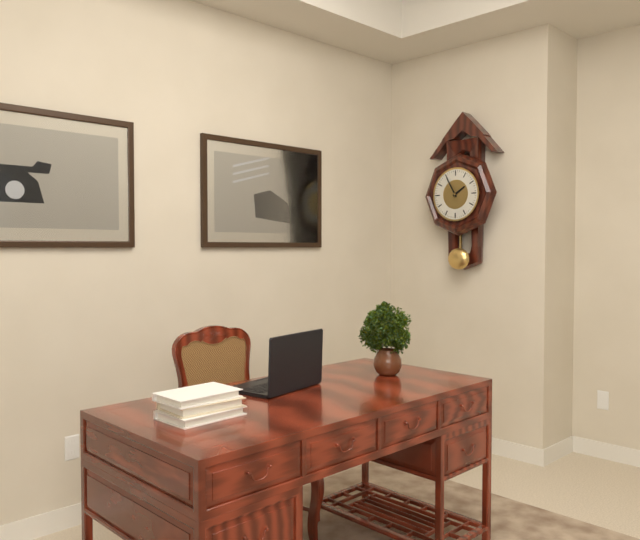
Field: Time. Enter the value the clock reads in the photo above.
1:55
